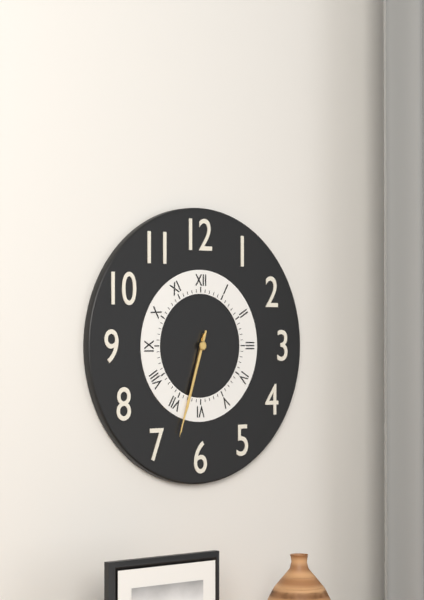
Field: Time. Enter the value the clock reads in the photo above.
6:33
